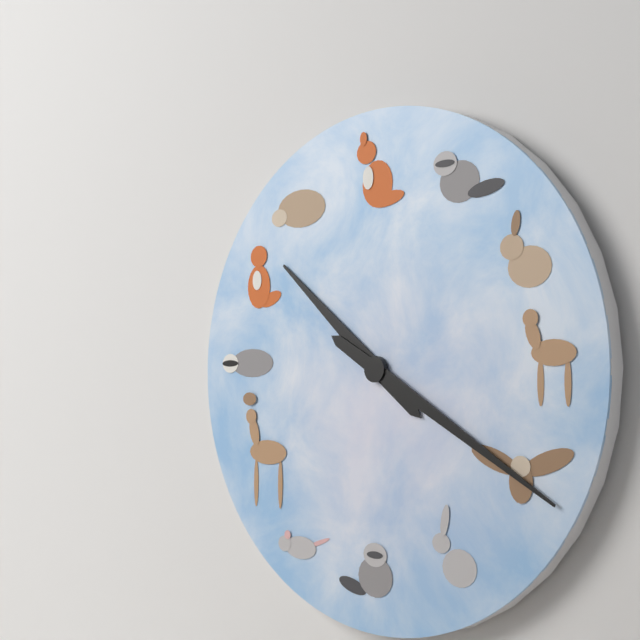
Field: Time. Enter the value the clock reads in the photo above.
10:20
